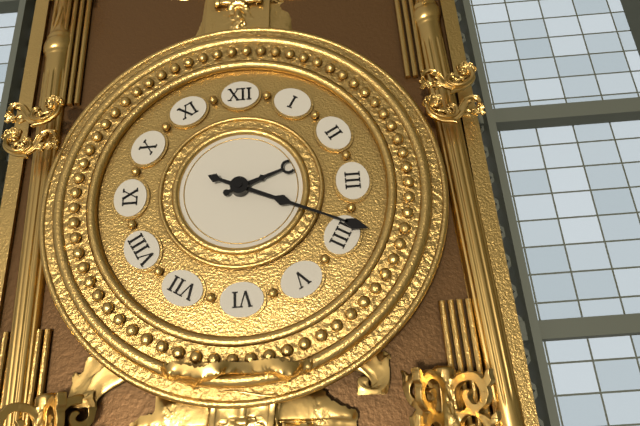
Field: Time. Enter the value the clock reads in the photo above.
2:19
